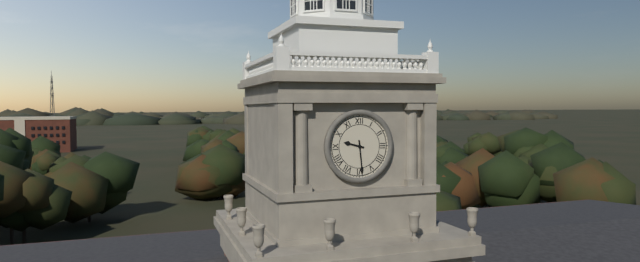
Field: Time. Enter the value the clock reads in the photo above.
9:29
